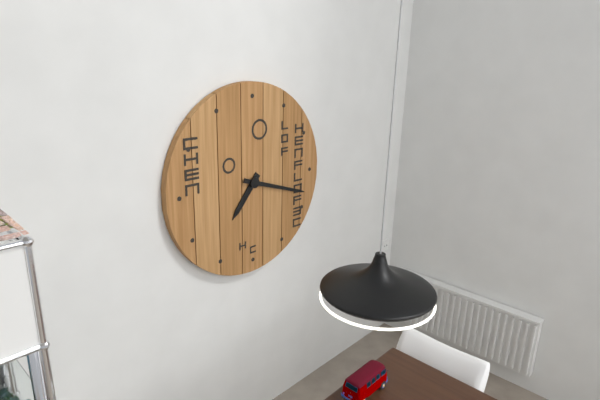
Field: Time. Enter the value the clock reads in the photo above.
7:18
